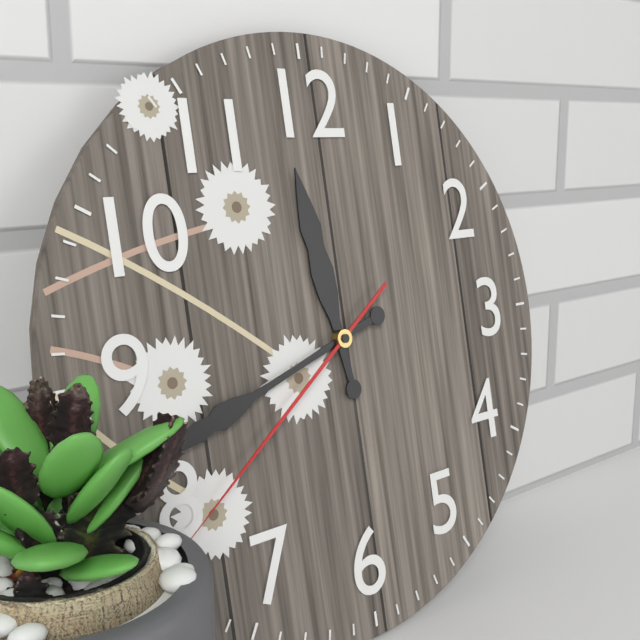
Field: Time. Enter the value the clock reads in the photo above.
11:42:39
